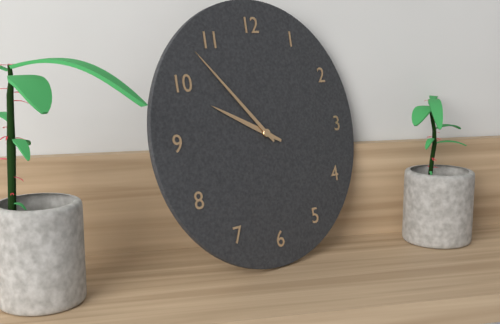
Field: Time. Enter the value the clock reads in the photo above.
9:53
